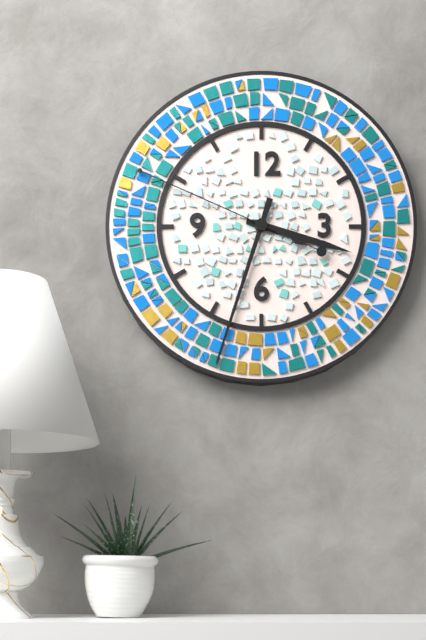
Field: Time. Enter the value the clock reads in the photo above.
3:33:49
